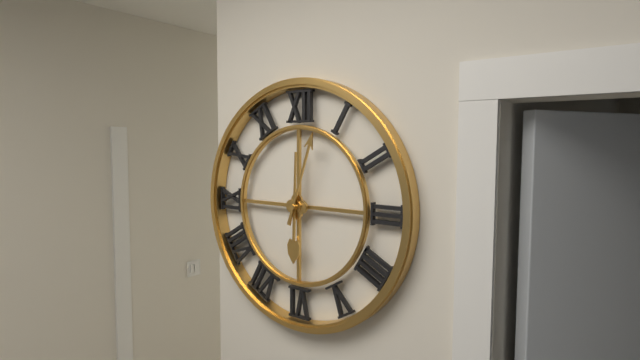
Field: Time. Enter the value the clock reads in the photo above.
6:03
